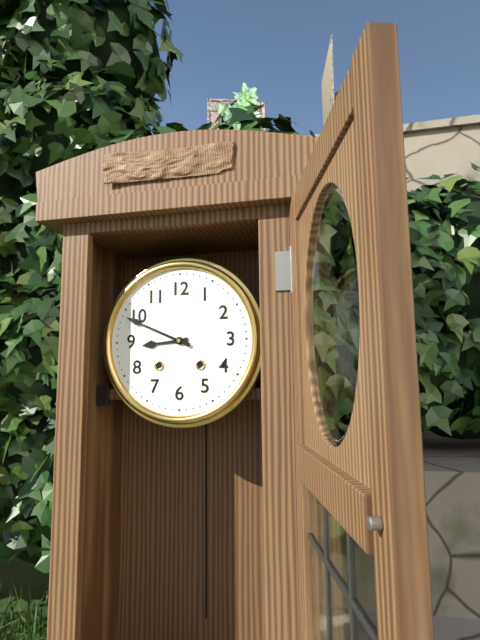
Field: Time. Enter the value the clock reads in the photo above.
8:49
